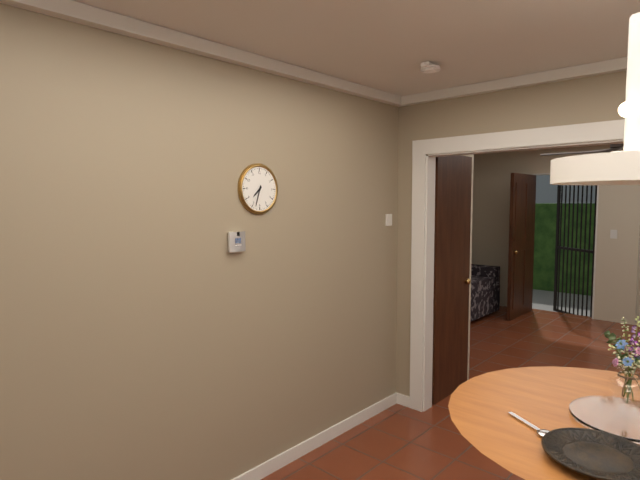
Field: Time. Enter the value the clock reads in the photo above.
7:33
